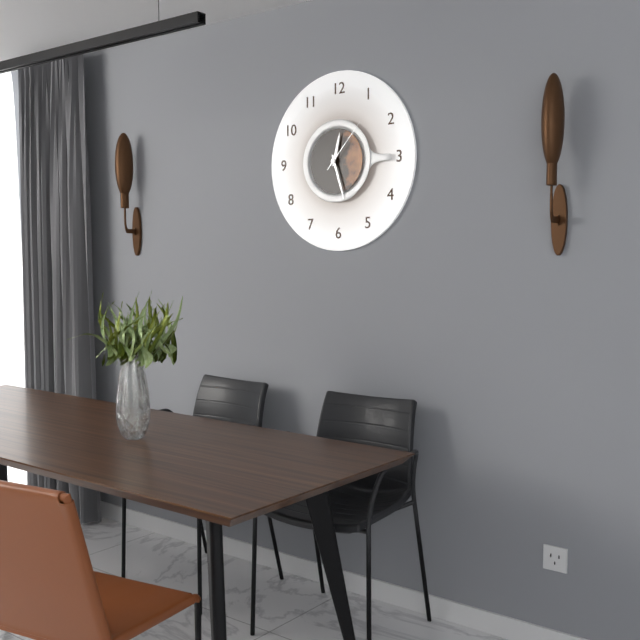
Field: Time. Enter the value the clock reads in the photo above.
12:27:07
